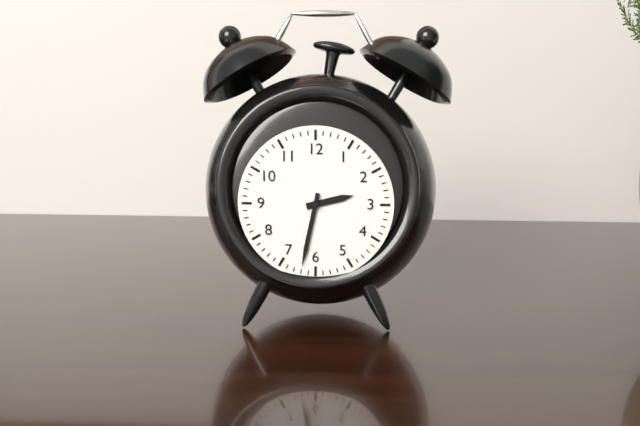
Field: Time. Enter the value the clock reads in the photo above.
2:32
